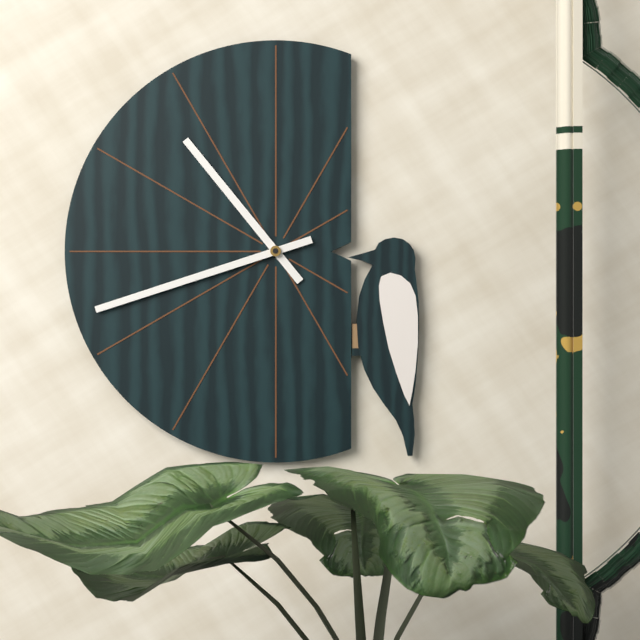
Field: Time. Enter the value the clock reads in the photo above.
10:42
